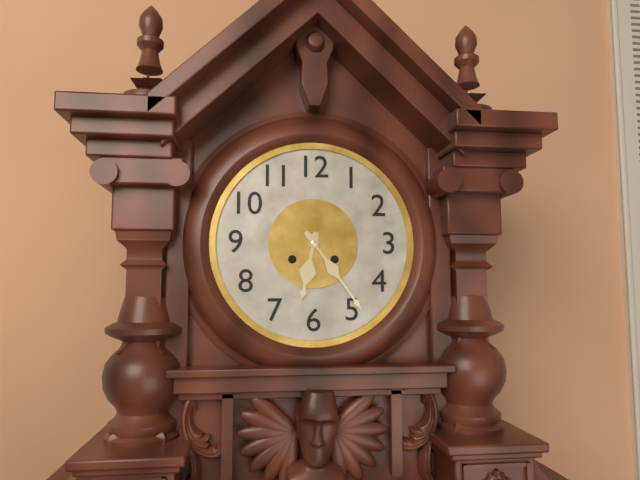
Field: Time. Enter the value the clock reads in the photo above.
6:24
